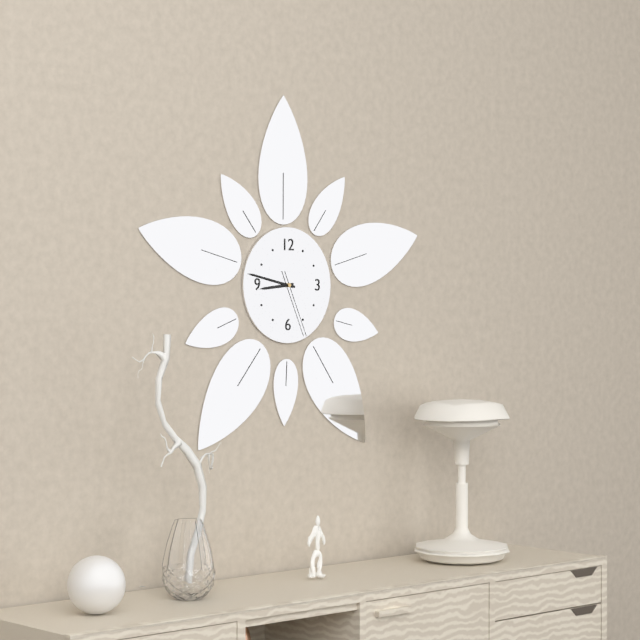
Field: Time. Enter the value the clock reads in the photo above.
8:47:26
